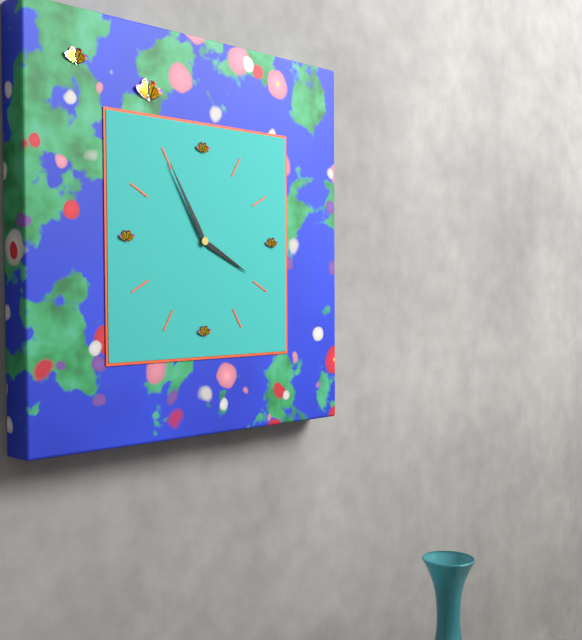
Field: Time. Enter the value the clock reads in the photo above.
3:55
